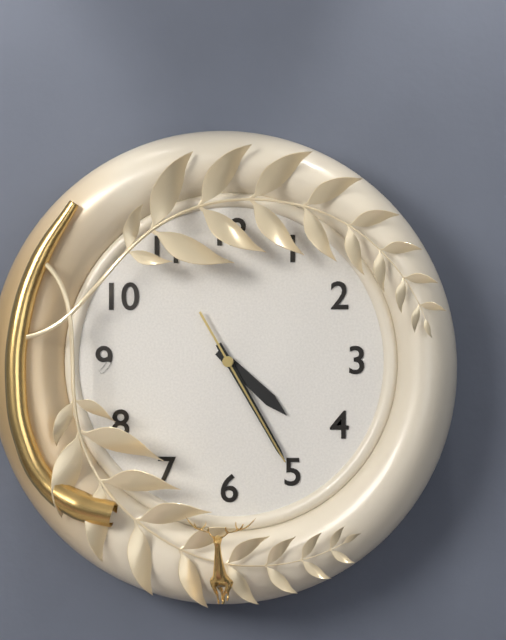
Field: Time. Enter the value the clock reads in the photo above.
4:25:25
